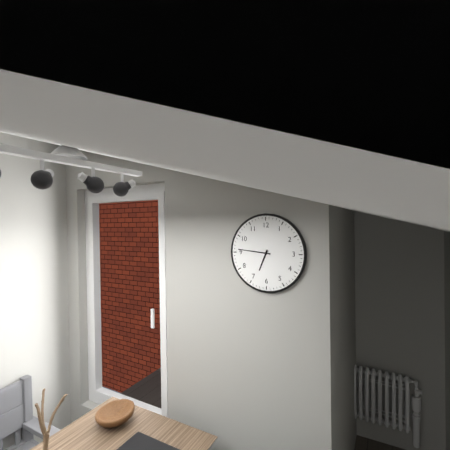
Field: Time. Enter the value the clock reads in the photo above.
6:46
